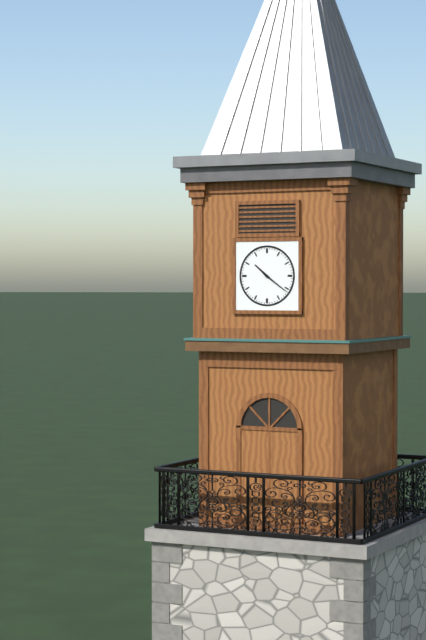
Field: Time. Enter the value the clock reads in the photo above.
10:21
